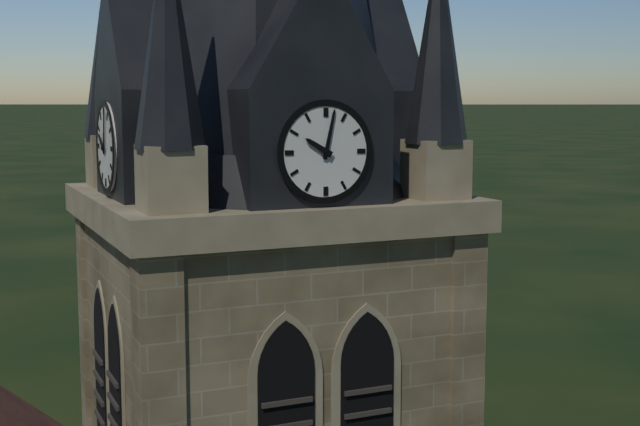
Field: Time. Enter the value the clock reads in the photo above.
10:02
